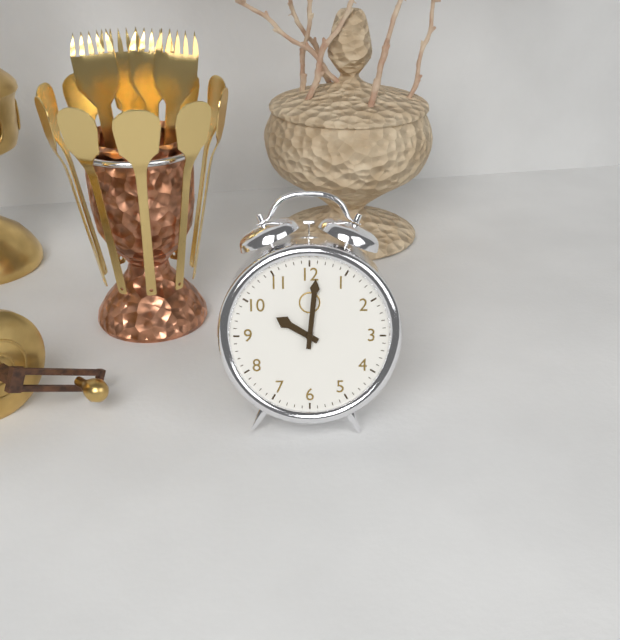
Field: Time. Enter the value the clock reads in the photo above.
10:01
